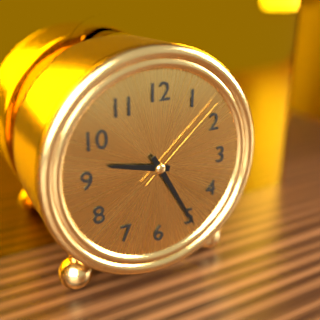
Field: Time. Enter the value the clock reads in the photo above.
9:25:08
